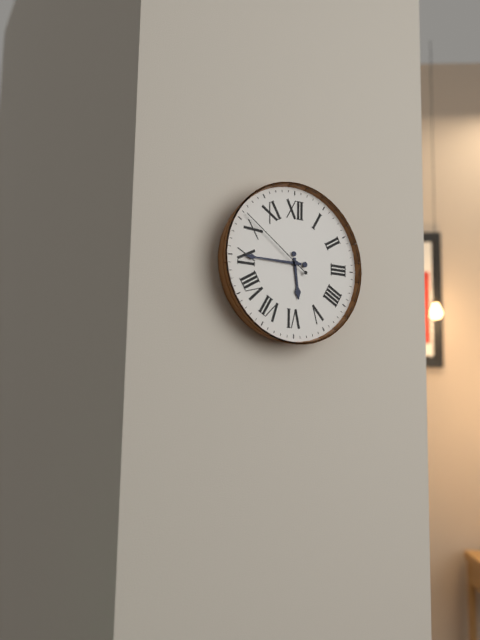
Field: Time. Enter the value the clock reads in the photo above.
5:45:51
